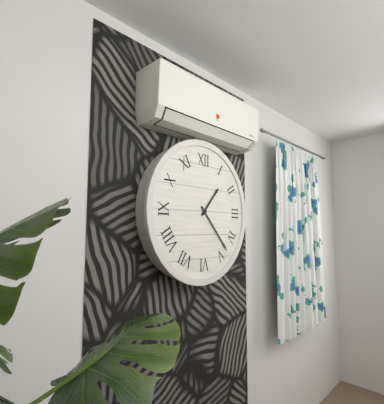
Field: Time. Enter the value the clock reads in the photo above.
1:23
